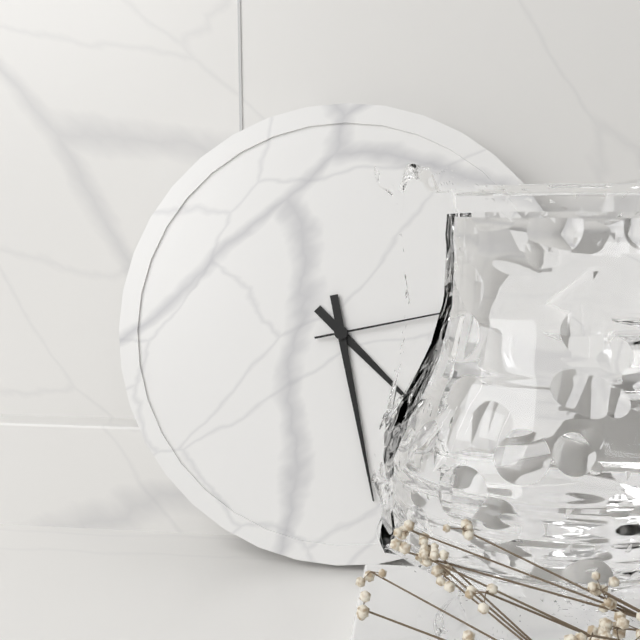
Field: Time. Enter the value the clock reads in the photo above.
4:28:13
